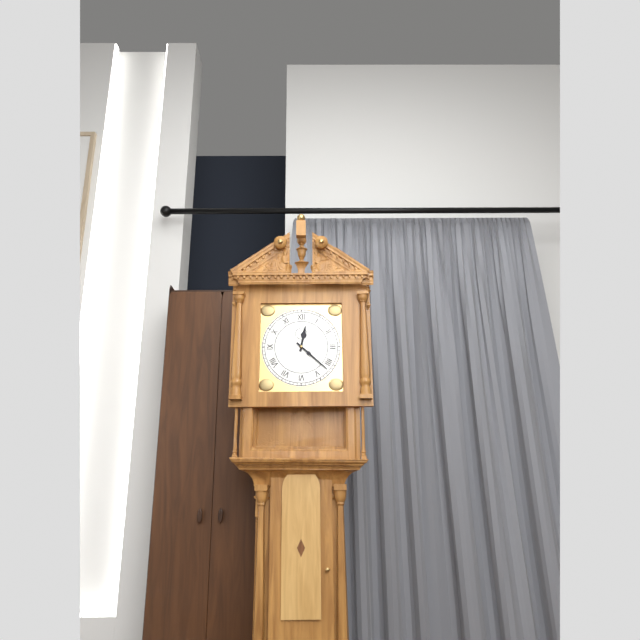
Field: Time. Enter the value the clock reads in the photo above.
12:22
